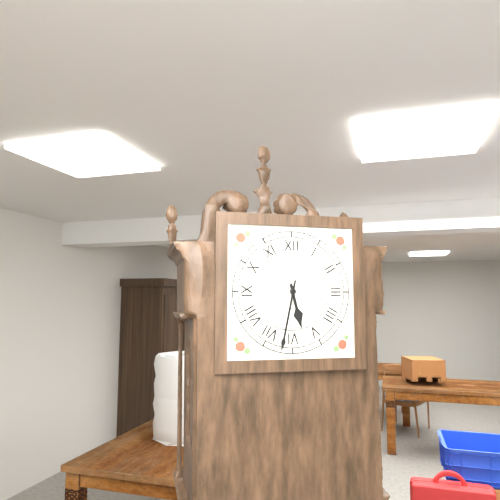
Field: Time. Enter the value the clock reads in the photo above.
5:32
